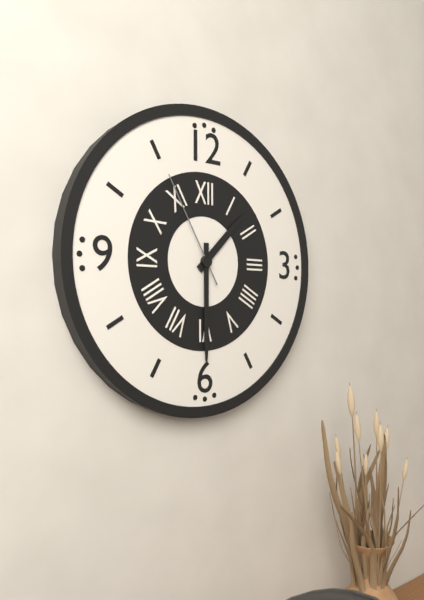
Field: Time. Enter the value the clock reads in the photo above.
1:30:55
